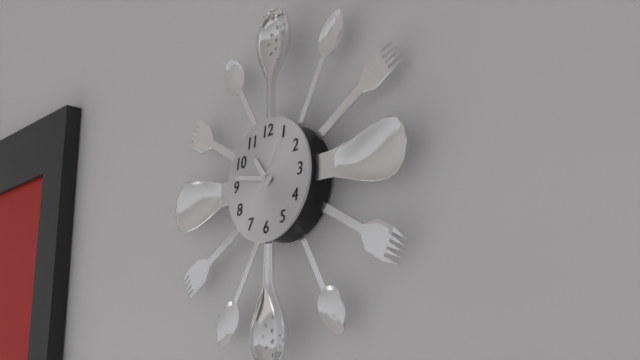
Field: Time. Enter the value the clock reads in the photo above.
10:47:05
